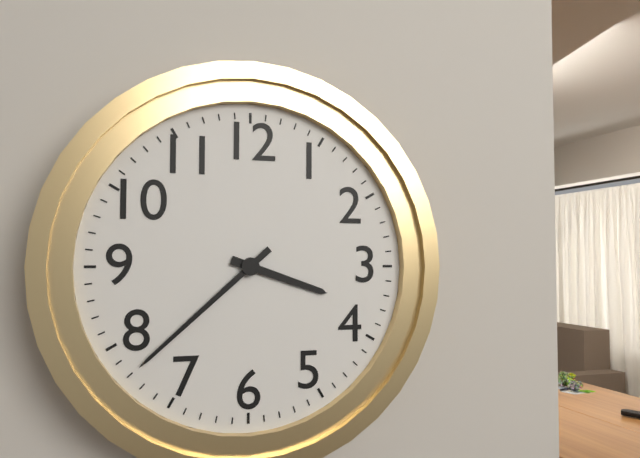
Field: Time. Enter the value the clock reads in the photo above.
3:38
